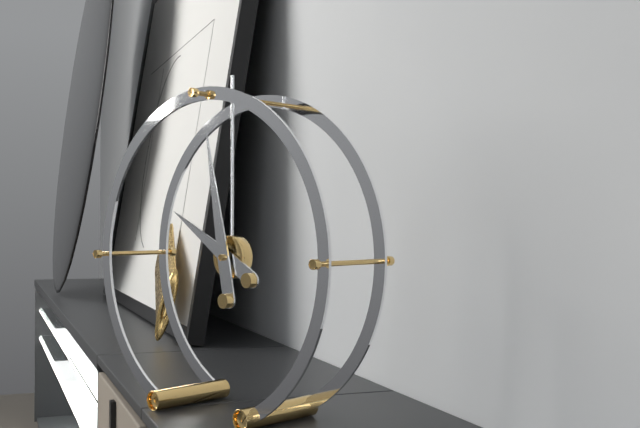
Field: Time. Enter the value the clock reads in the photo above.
9:58
